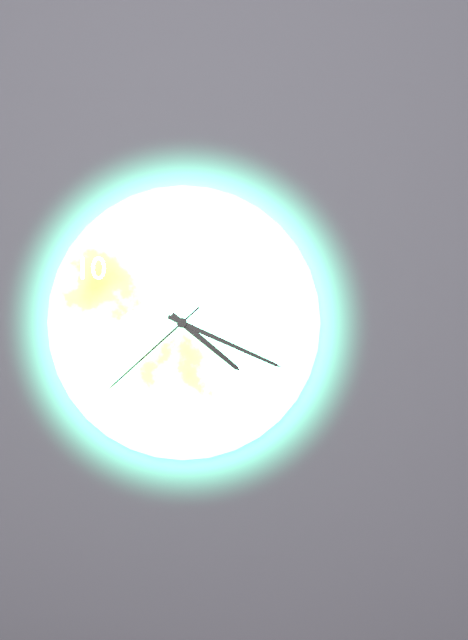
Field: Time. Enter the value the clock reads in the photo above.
4:19:38
